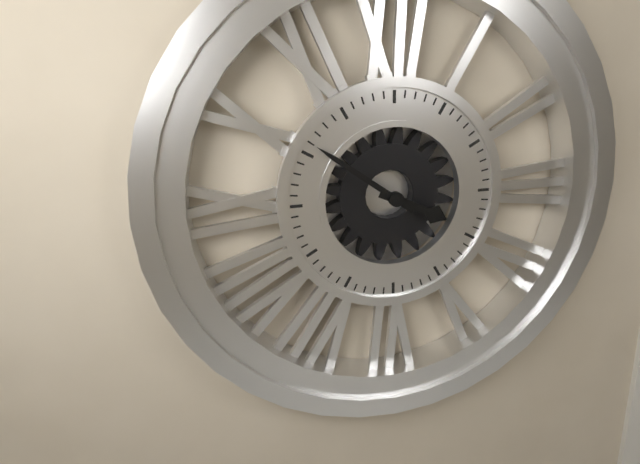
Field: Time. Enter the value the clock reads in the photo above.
3:51
